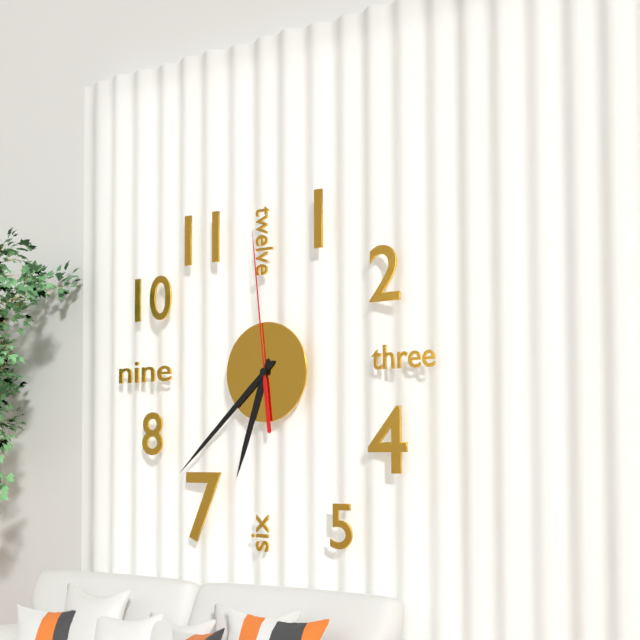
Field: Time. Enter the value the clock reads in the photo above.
6:38:59
